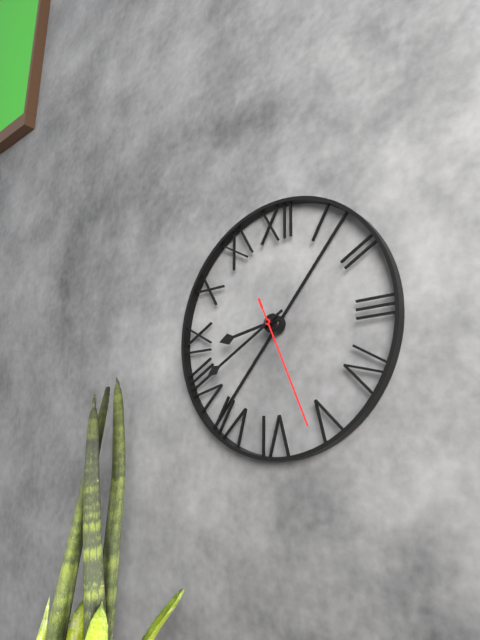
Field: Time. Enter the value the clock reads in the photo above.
8:40:26
